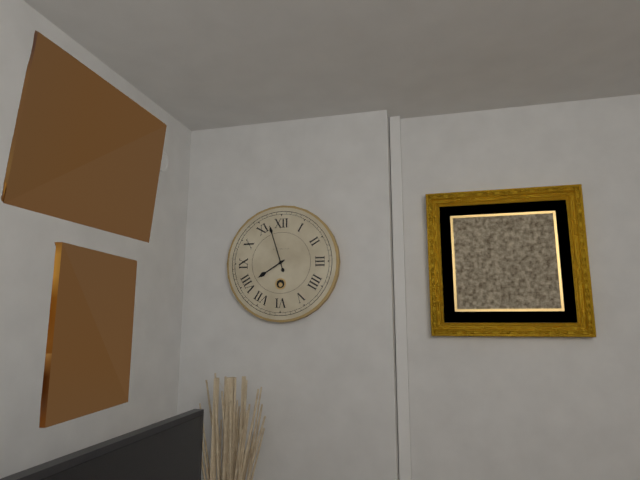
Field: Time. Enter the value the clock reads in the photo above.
7:57
